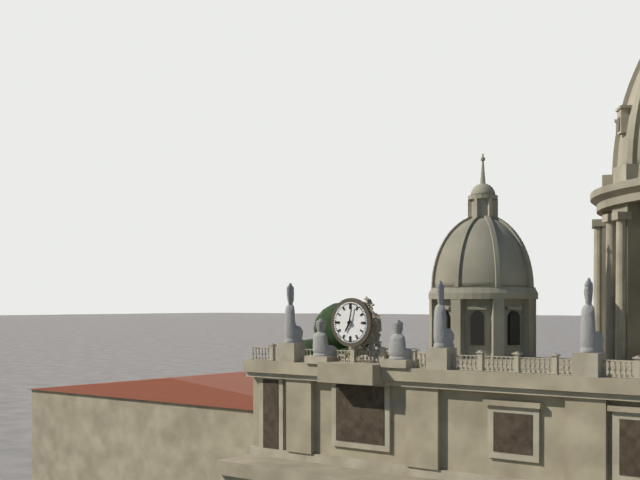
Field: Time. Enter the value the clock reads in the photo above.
7:02
